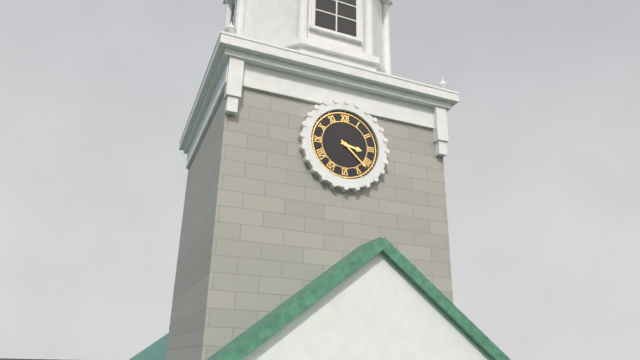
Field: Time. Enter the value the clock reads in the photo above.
3:22
